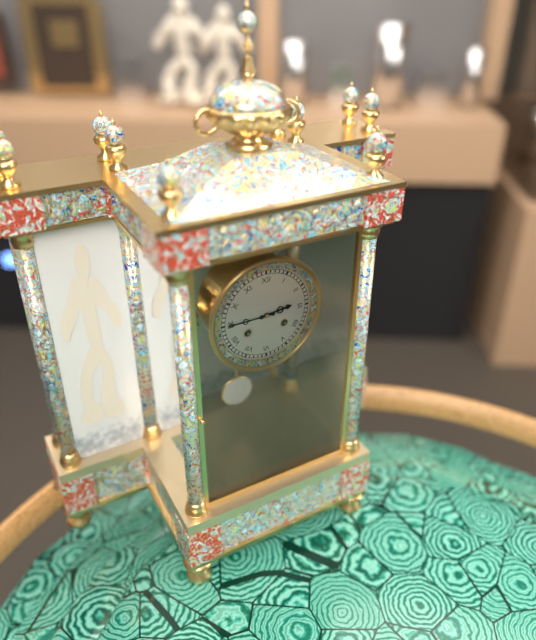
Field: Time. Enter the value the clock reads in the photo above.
2:45
